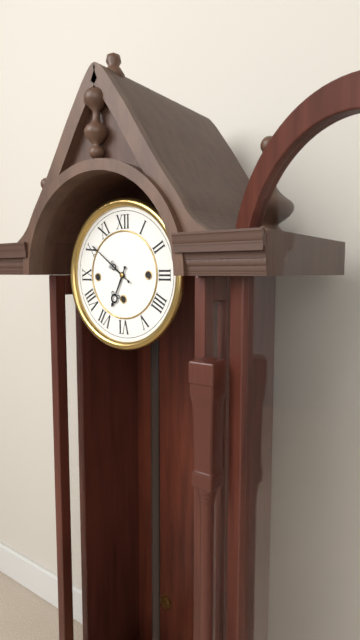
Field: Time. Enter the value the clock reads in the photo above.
6:51
